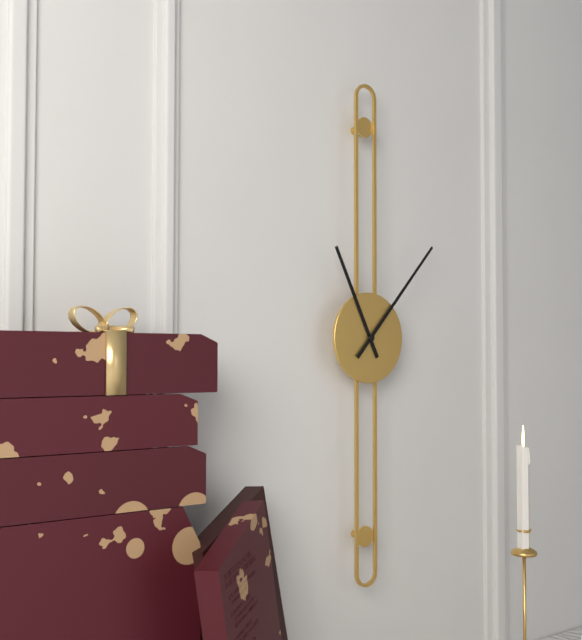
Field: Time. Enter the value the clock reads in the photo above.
11:07
